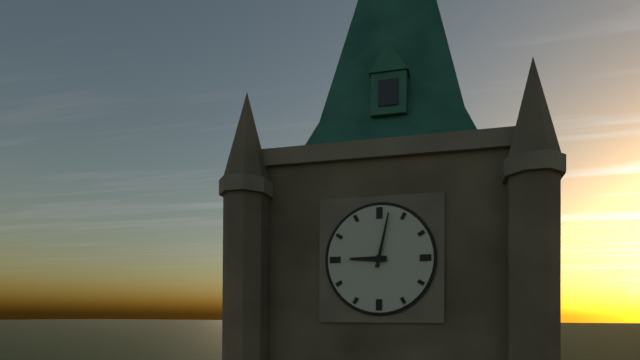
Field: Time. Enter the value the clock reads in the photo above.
9:02
